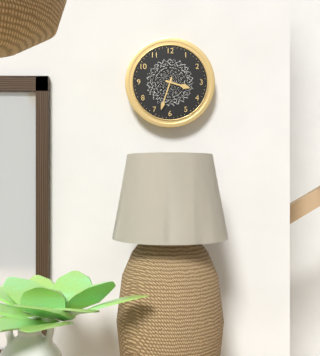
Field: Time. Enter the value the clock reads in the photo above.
3:33
